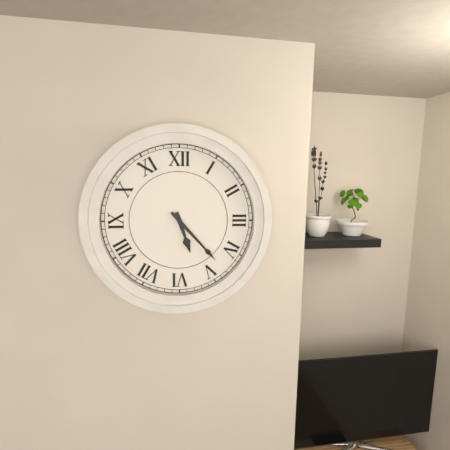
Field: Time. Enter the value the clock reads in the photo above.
5:23
